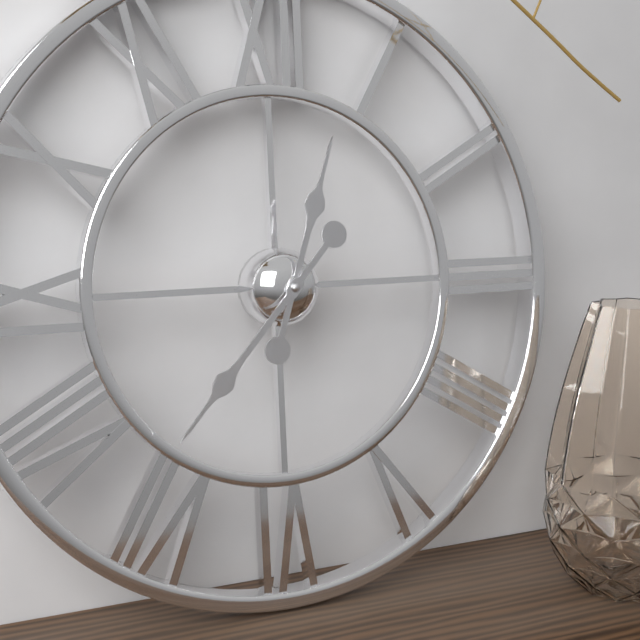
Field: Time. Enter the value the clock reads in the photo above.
12:37
